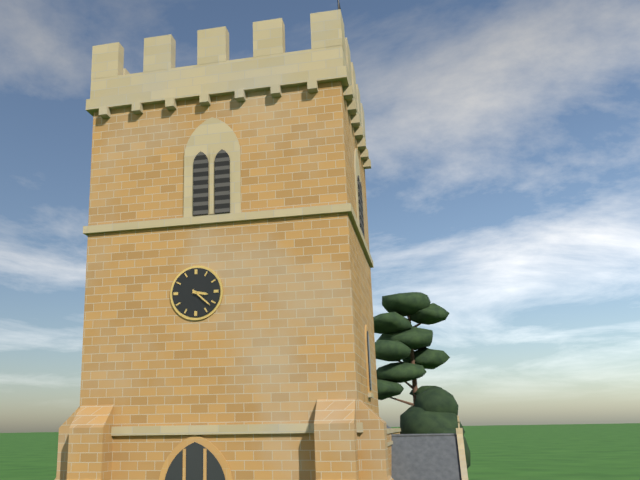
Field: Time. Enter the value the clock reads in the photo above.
3:22
